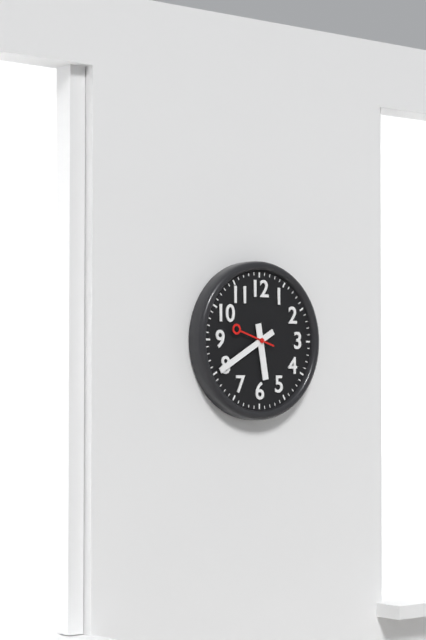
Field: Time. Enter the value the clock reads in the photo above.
5:40
